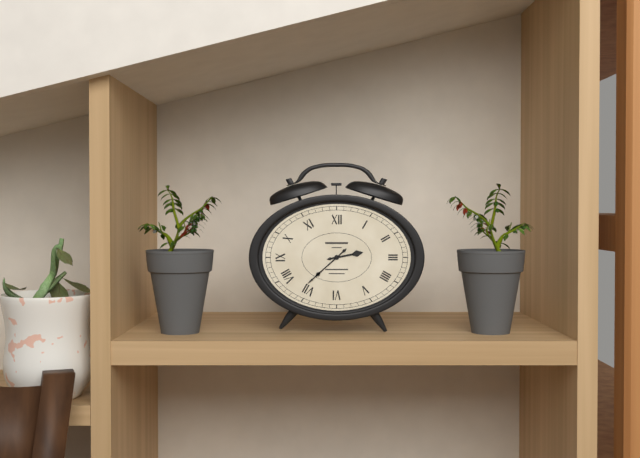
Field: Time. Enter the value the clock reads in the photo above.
2:38
